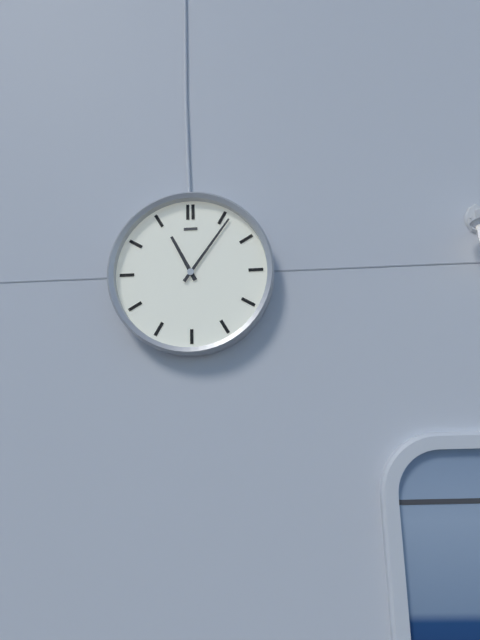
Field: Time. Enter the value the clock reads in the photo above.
11:06
